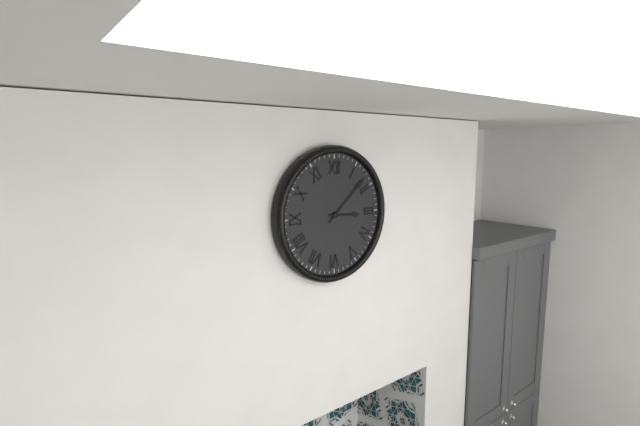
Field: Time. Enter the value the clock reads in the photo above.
3:08
